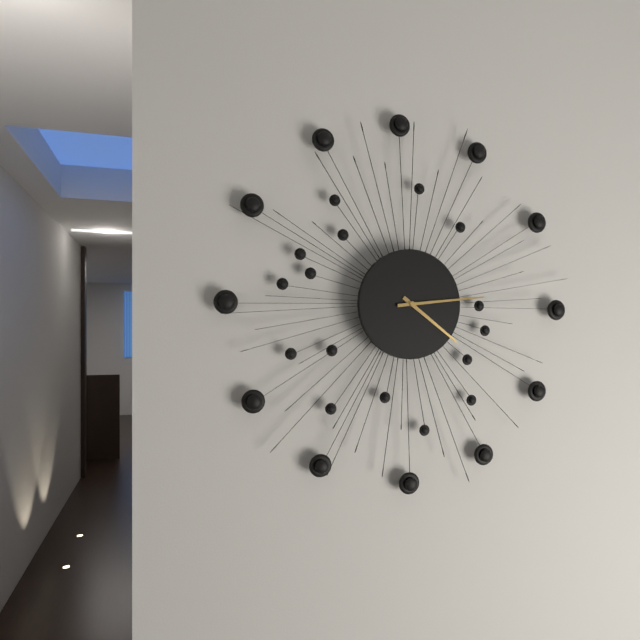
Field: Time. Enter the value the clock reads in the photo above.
4:14
